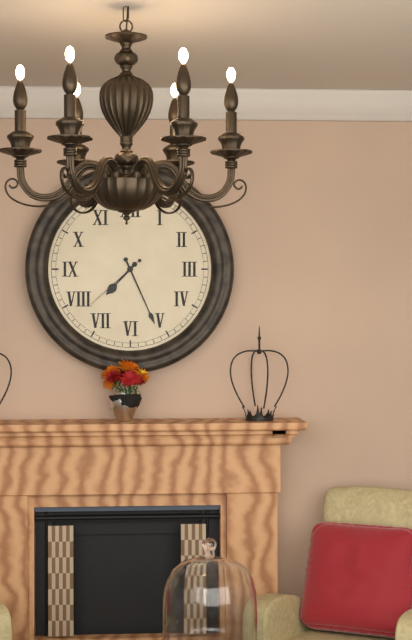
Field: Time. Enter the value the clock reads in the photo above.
7:26:38
